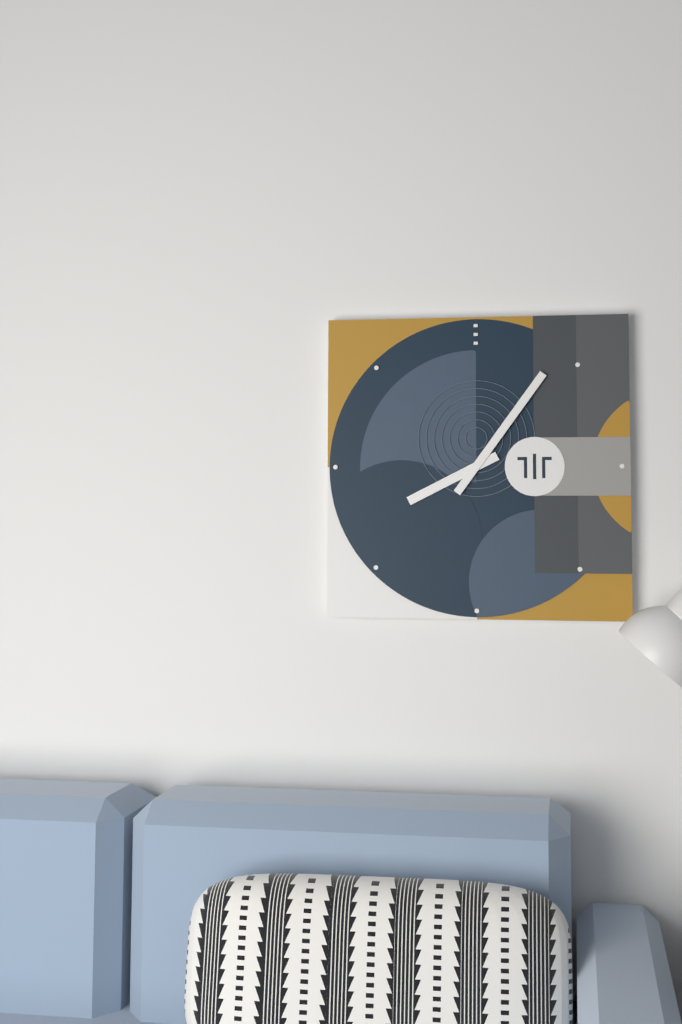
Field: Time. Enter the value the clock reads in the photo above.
8:06
